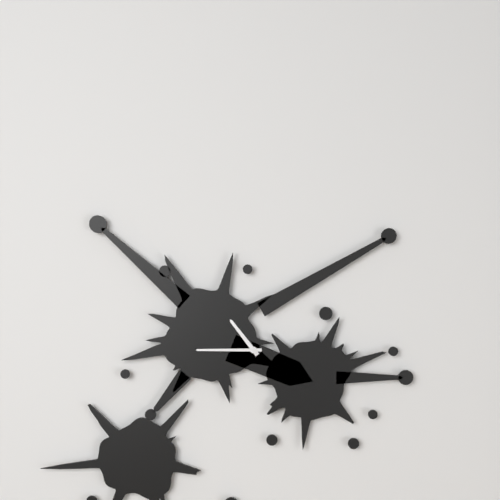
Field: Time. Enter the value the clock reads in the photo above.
10:45
